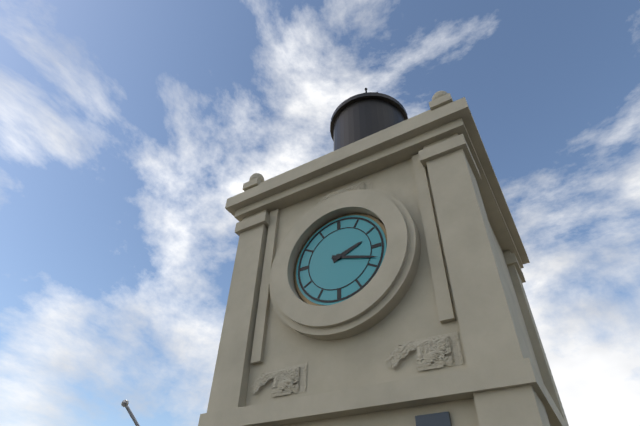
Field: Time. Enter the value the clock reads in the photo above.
2:18
